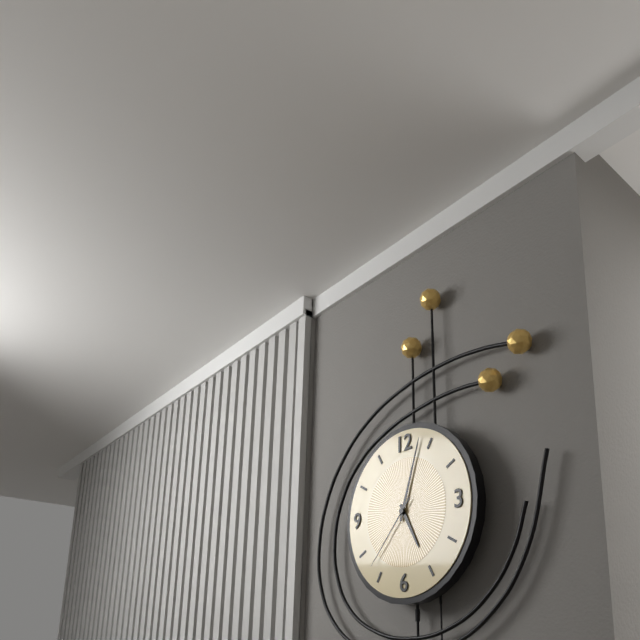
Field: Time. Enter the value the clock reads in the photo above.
5:03:37
